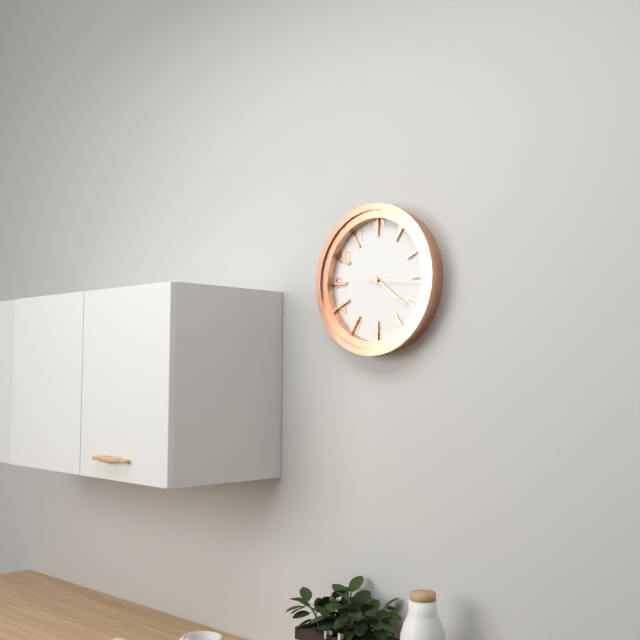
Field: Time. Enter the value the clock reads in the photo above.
4:21:16
